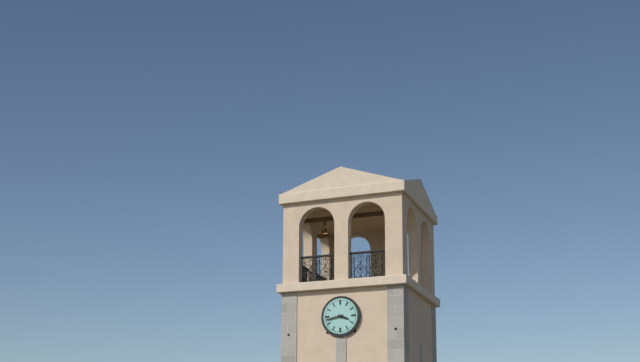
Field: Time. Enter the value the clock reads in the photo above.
3:43
